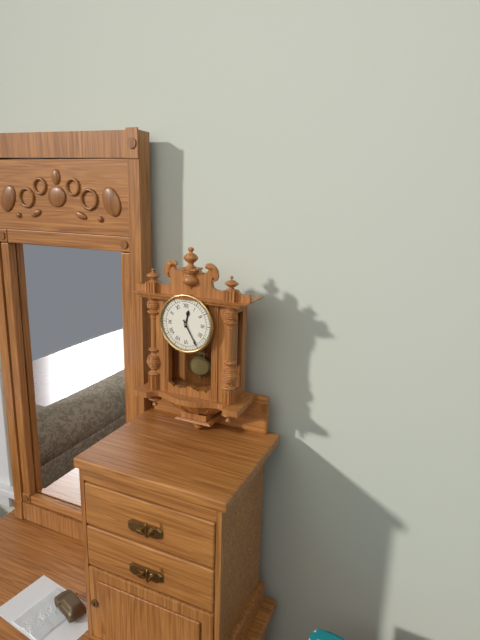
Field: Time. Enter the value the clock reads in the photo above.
12:25
